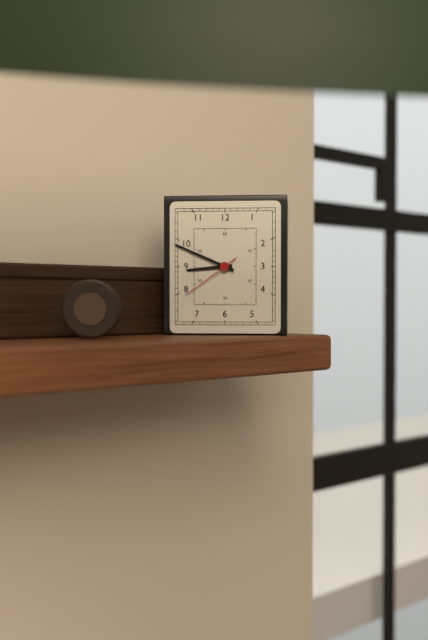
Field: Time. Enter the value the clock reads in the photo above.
8:49:39
